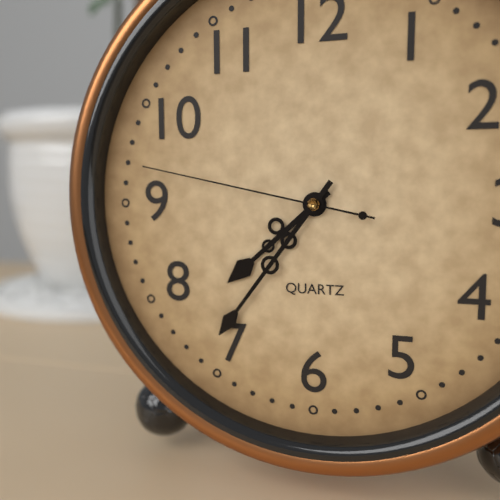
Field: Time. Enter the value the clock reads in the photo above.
7:36:47
